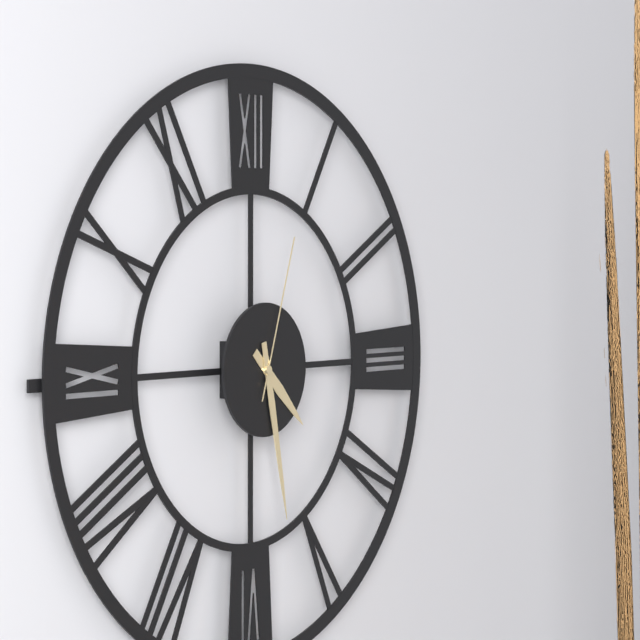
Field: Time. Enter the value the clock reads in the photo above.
4:28:03
